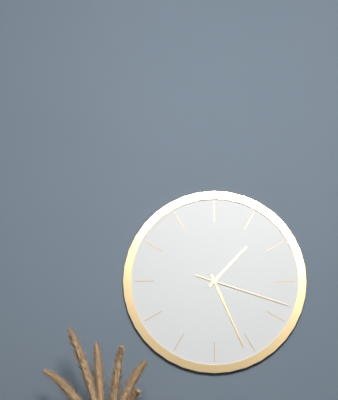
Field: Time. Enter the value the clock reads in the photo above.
1:26:18
